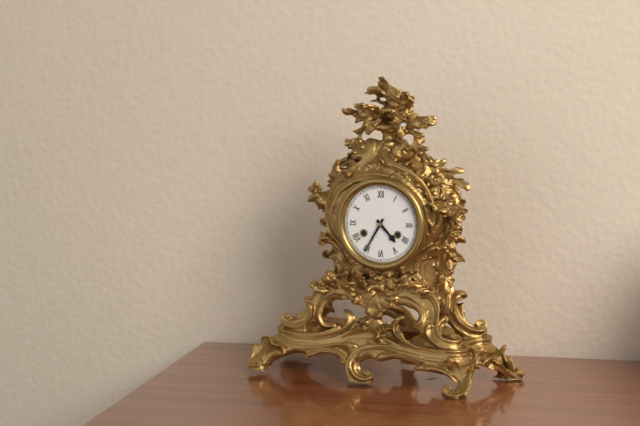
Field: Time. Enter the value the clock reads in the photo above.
4:35
